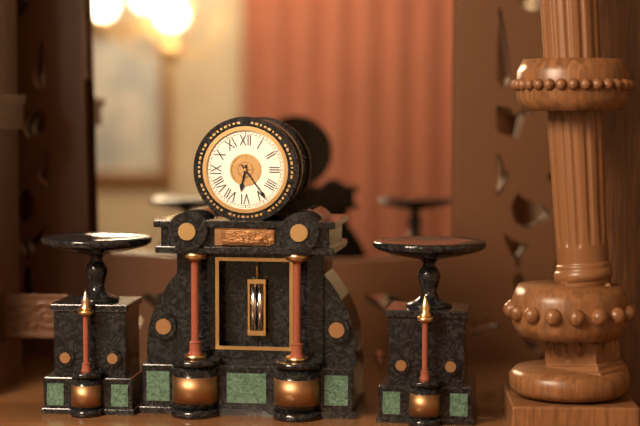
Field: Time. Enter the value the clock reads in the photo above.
6:24
